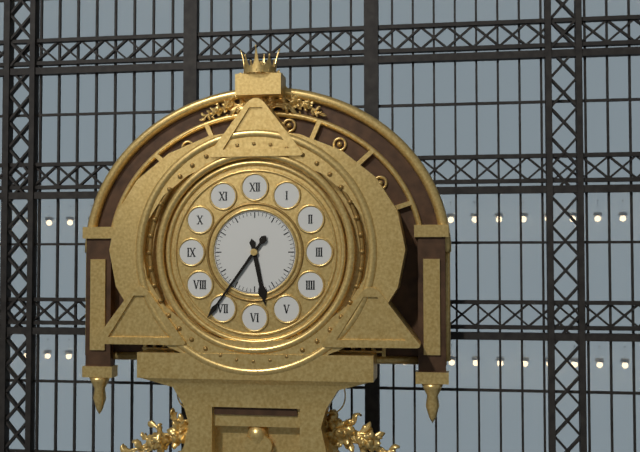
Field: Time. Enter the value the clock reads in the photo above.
5:36
